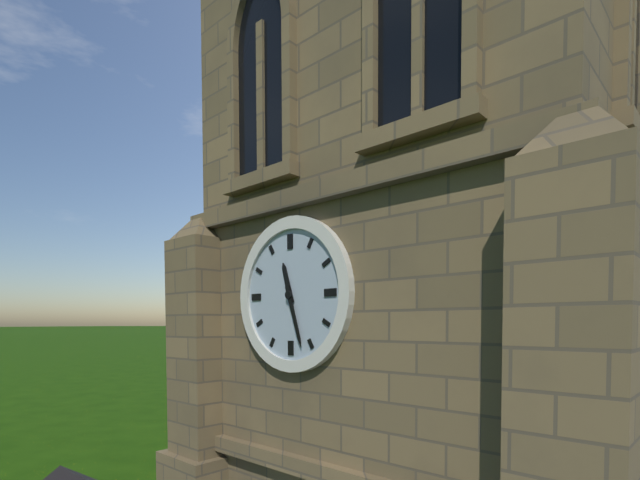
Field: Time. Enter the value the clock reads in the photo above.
11:27
